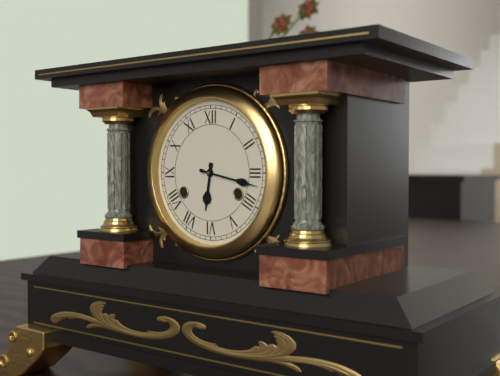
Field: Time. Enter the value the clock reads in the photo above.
6:17
